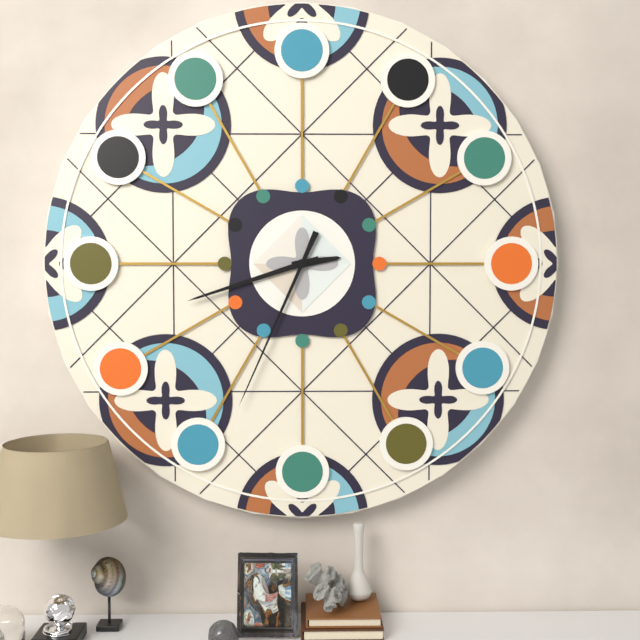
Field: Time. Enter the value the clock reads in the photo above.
2:42:34
